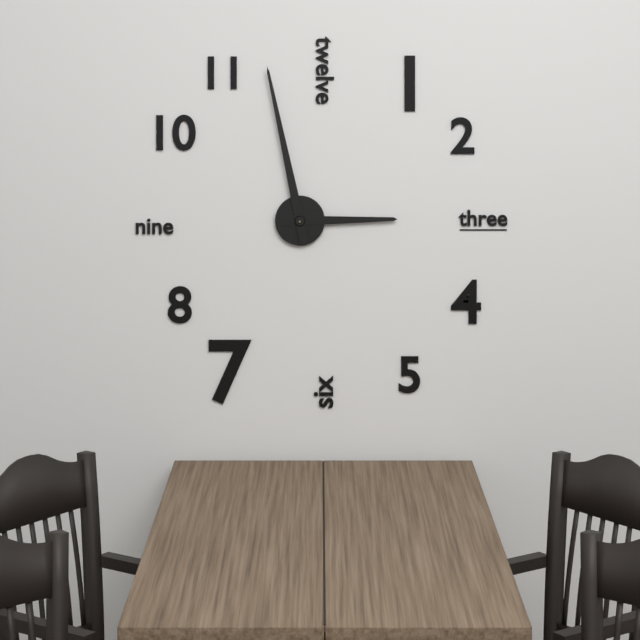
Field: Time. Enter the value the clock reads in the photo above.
2:58
